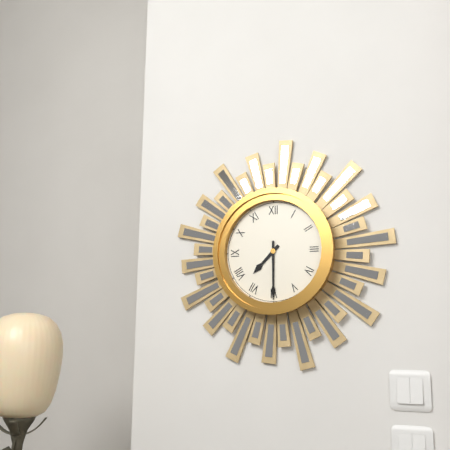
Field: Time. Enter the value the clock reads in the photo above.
7:30
